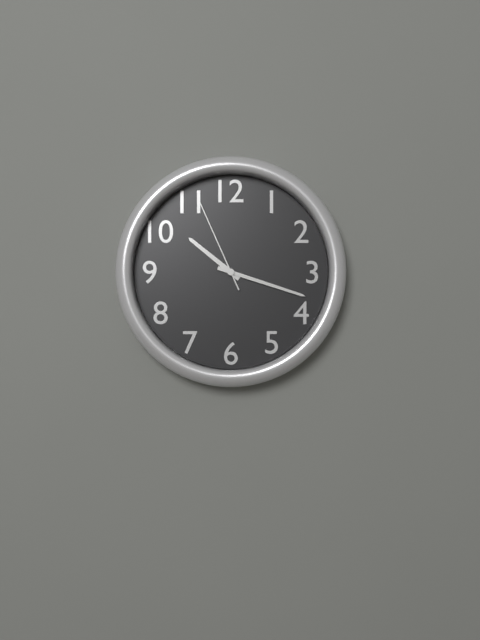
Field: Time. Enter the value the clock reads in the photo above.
10:18:56
